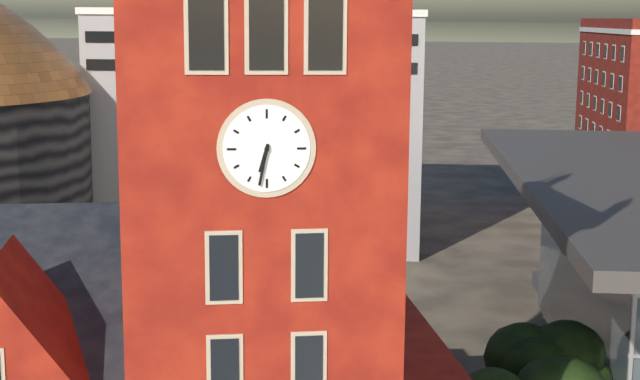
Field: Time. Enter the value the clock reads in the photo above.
6:32
